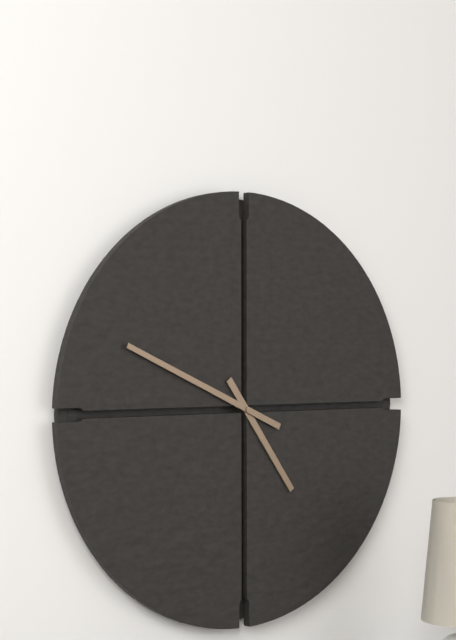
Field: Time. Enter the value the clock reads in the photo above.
4:49
